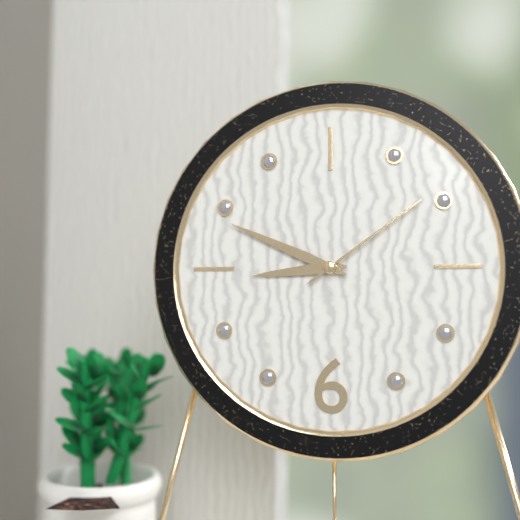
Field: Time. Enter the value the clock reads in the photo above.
8:49:09
